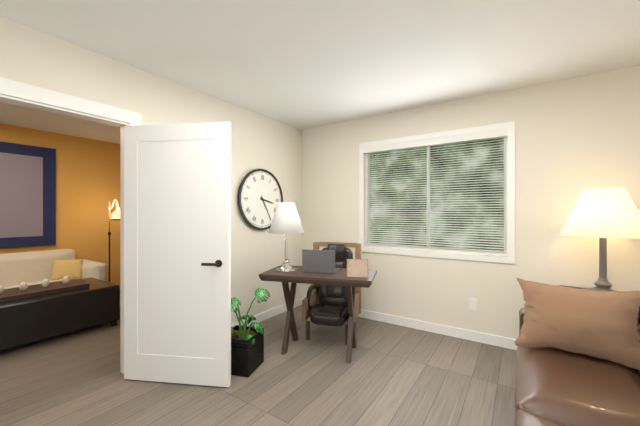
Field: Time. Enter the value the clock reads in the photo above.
3:25
